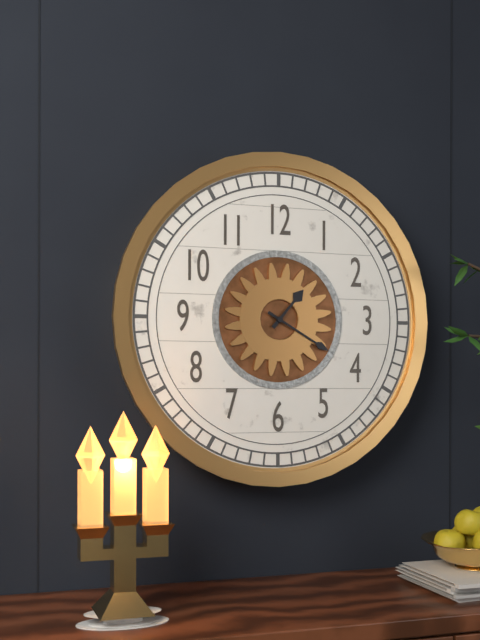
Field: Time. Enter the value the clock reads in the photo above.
1:20
